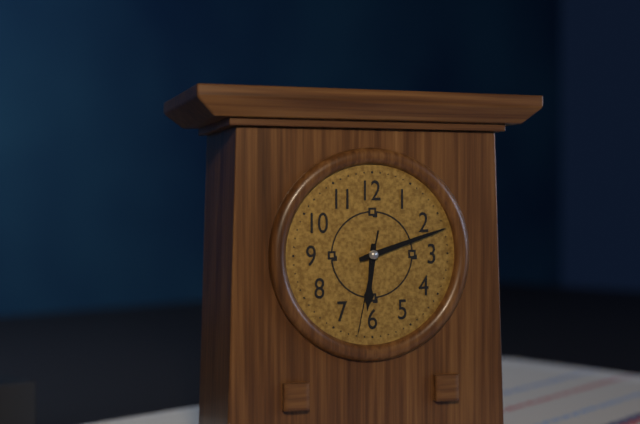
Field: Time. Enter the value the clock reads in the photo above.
6:12:32
